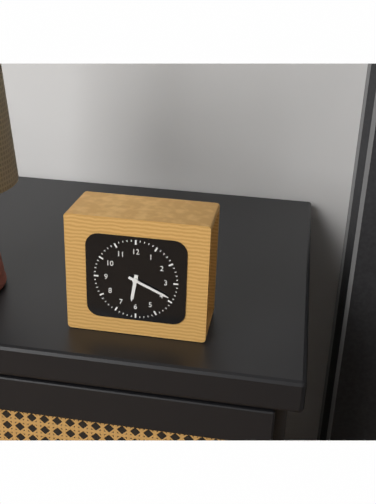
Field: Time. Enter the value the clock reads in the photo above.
6:19
